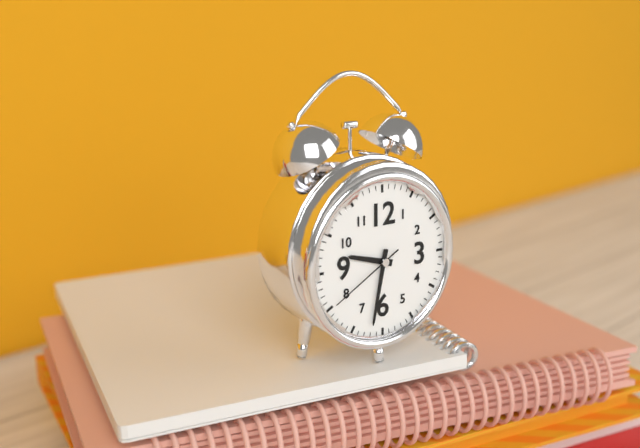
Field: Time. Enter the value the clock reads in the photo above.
9:32:40
